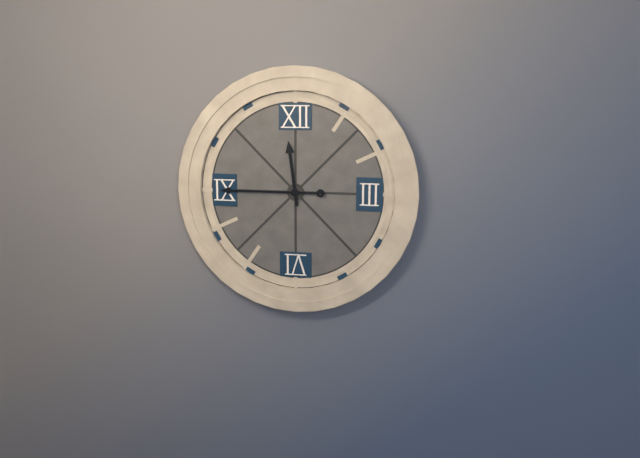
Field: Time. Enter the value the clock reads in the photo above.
11:45
